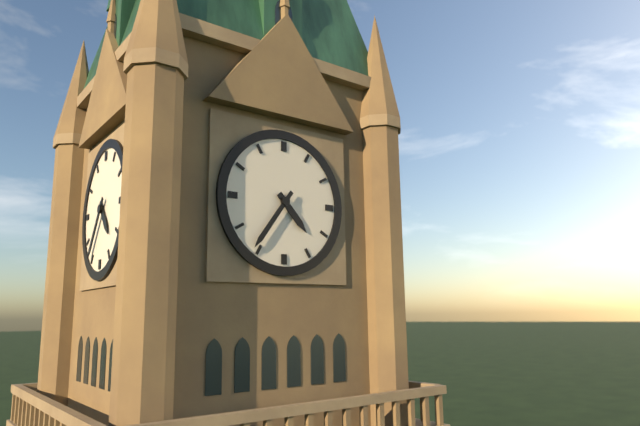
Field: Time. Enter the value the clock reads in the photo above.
4:36
